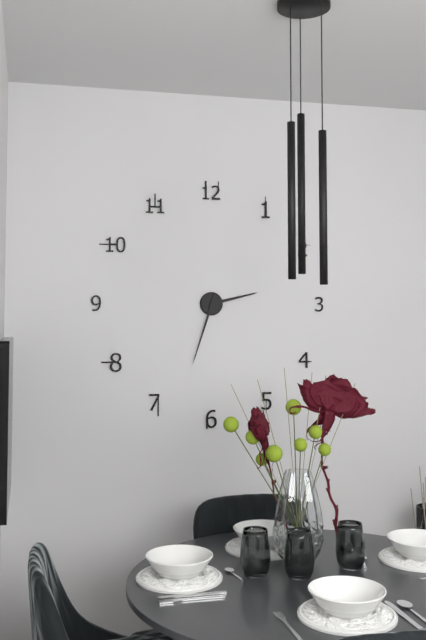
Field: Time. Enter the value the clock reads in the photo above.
2:33
